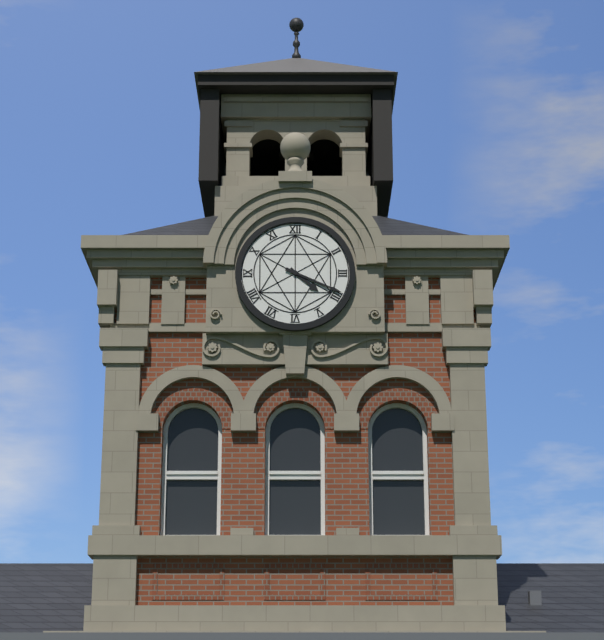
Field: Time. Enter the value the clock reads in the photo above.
4:19
